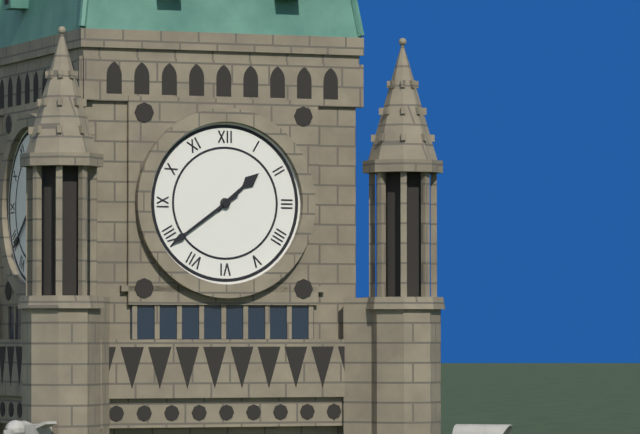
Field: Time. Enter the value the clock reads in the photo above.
1:39
